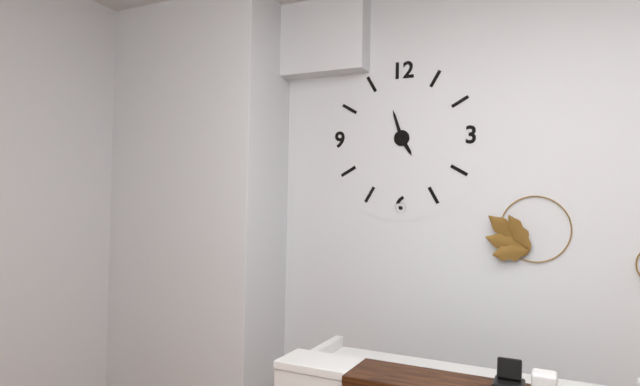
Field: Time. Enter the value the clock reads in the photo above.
4:57
